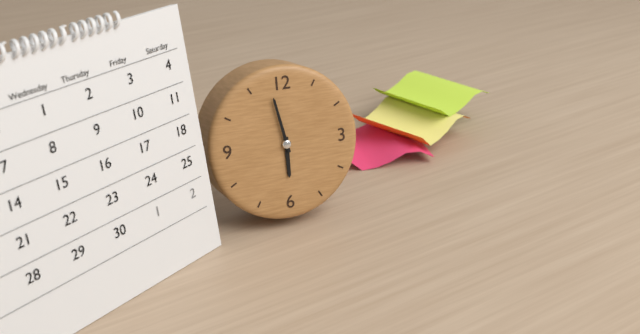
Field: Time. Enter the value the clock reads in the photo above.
5:58
